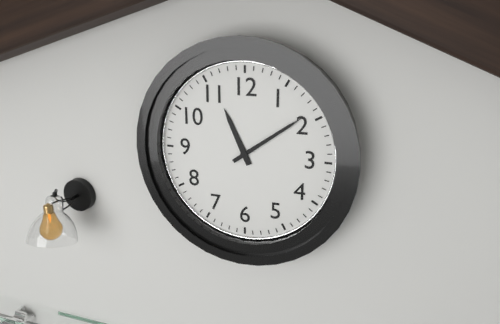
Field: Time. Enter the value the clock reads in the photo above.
11:09
